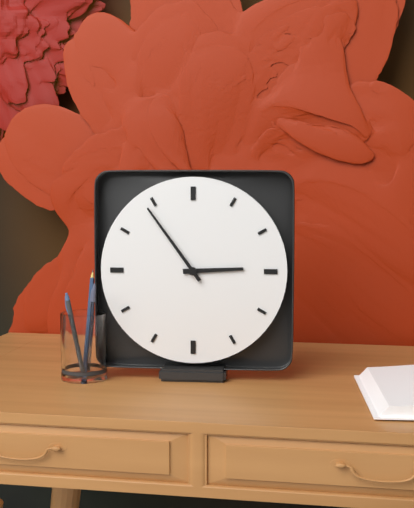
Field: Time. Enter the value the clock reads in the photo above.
2:54
